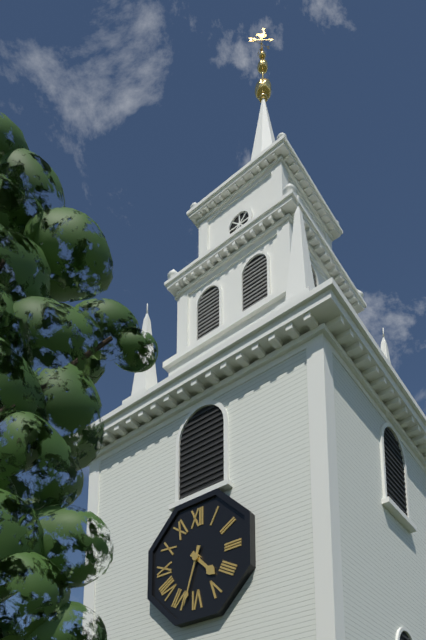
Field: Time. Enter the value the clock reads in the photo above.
4:33
